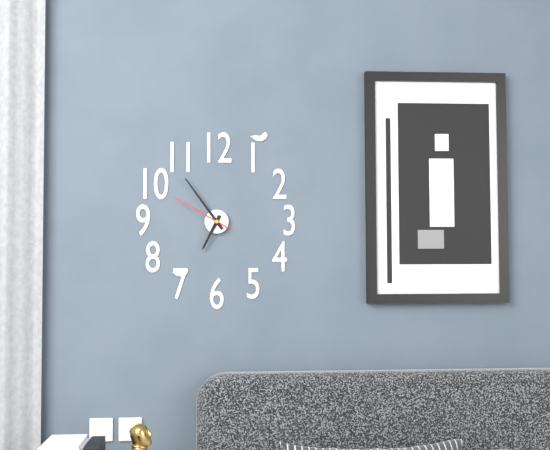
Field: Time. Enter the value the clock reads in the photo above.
6:54:50
